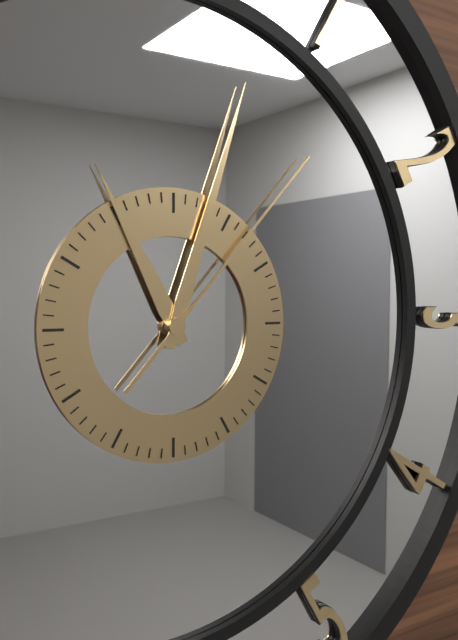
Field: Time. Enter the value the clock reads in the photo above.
11:03:07
